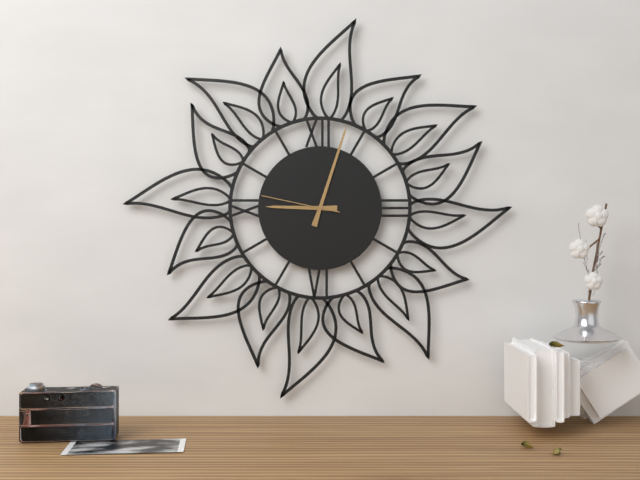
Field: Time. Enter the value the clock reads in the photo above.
9:03:47
